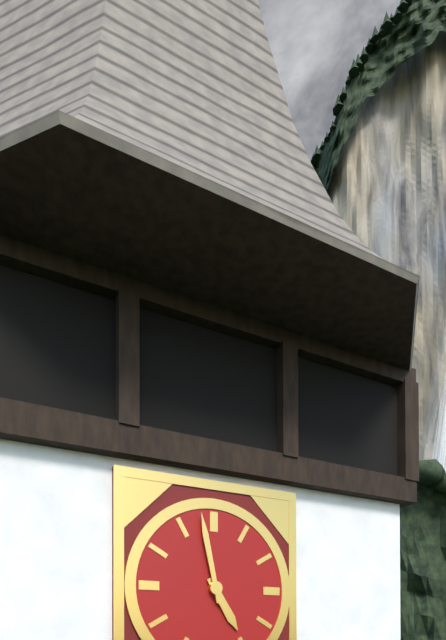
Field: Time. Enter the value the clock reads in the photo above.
4:58
